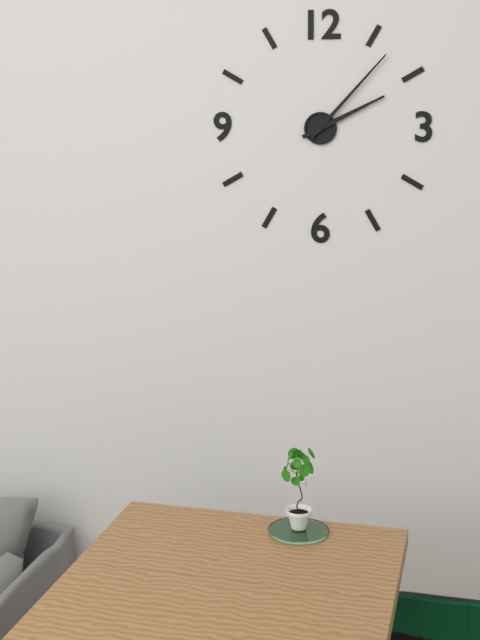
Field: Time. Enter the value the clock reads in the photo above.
2:07
